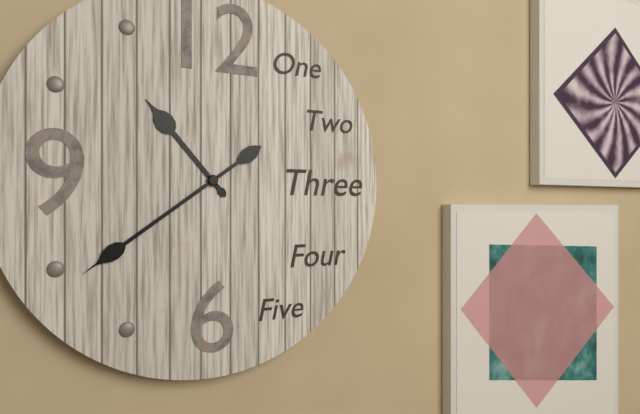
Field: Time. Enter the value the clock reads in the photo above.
10:39
